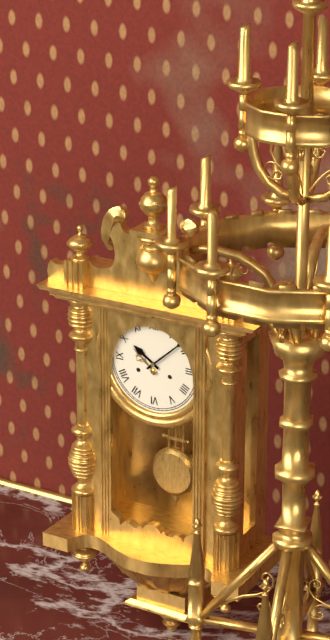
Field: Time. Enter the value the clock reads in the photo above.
10:08
